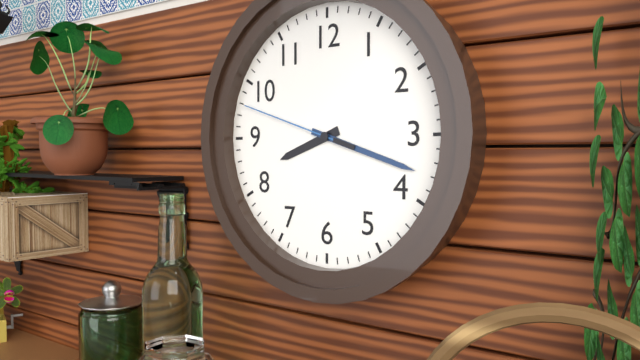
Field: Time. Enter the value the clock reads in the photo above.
8:18:48
